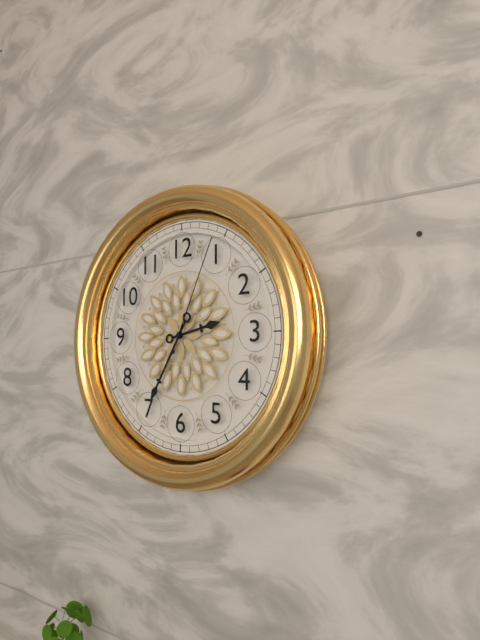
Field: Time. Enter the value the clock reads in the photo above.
2:35:04
